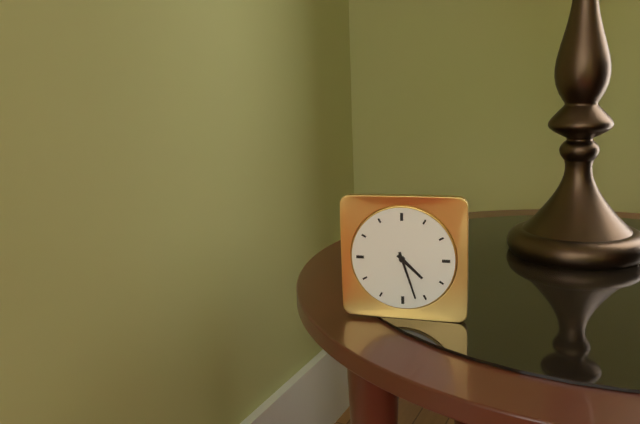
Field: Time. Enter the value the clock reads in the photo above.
4:27
